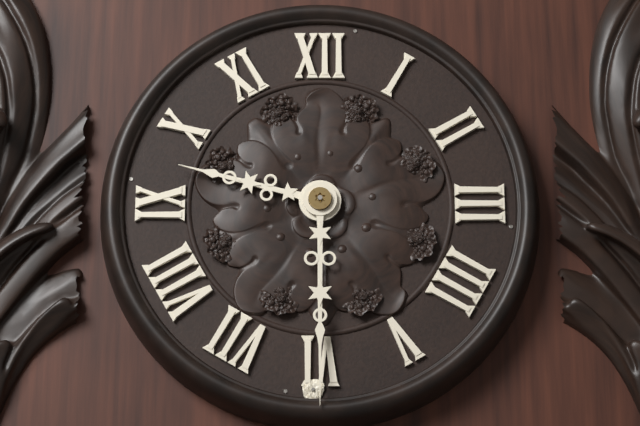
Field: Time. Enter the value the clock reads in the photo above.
9:30
